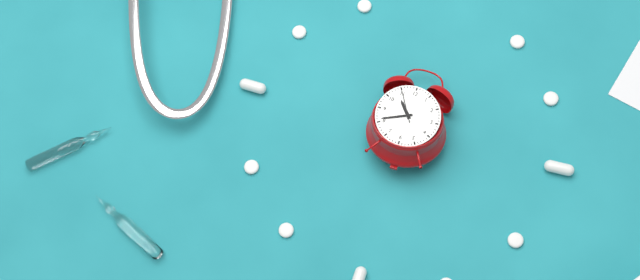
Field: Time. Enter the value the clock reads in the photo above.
10:41
